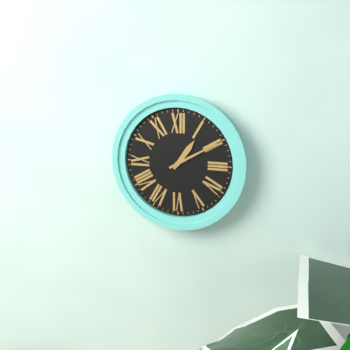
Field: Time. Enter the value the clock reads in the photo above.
1:10
